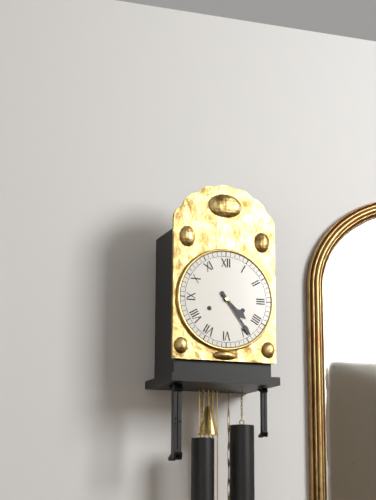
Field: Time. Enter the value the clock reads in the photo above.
4:24
